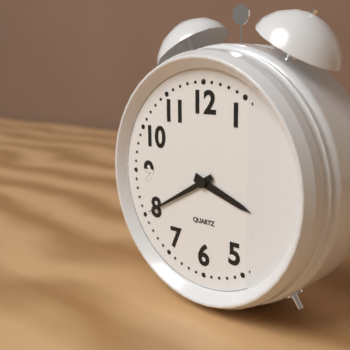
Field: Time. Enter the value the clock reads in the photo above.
3:40
